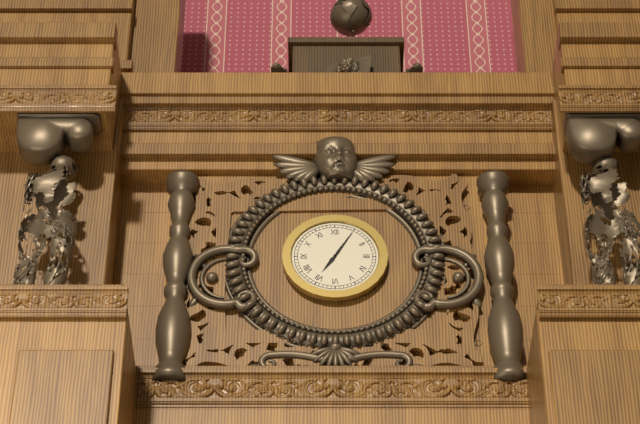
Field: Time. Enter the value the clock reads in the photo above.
7:05
